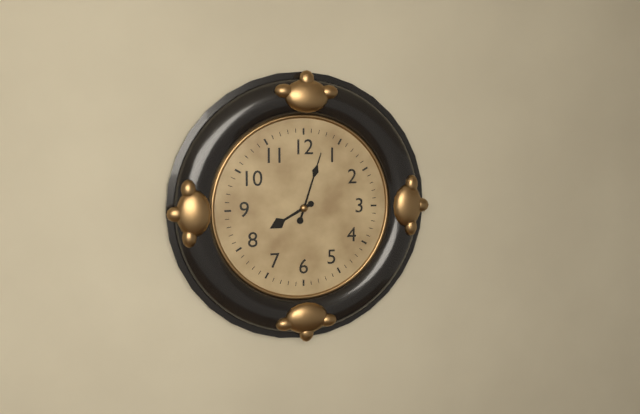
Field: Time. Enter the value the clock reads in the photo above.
8:03
